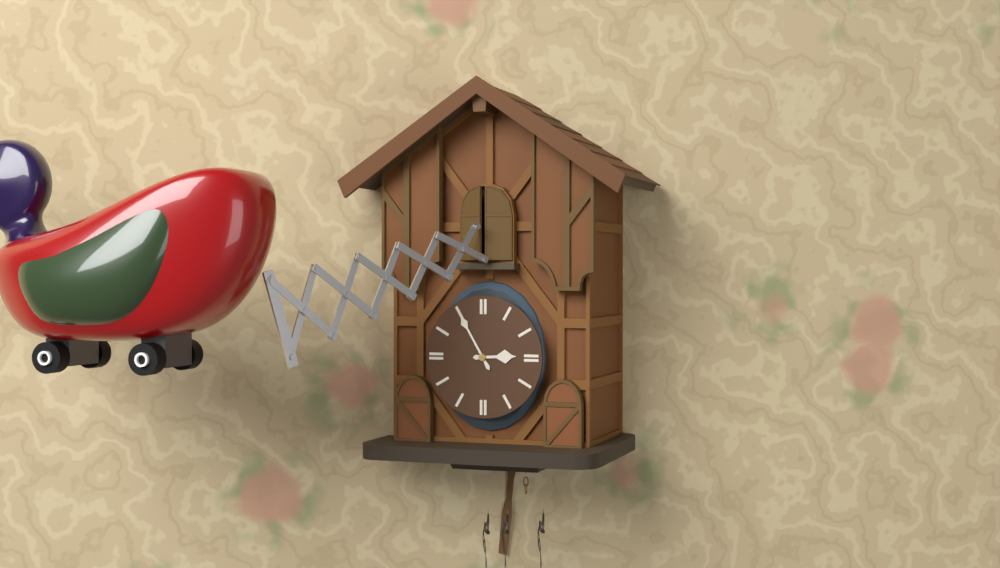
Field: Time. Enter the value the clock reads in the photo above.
2:55
